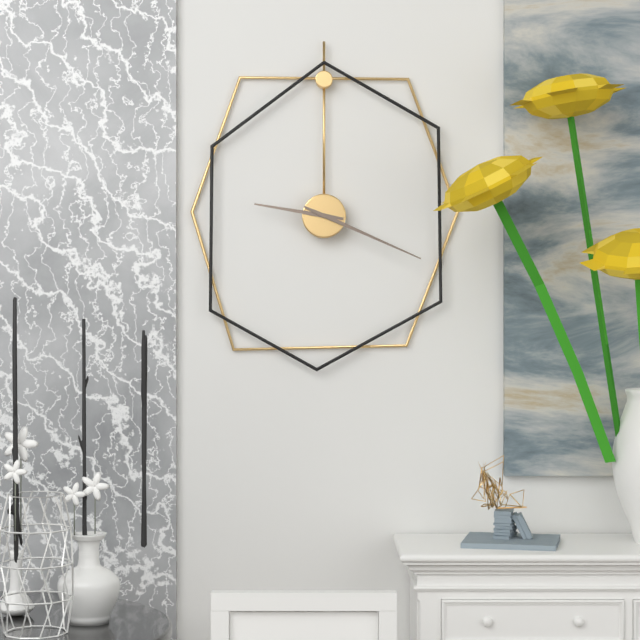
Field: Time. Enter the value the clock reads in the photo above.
9:19
